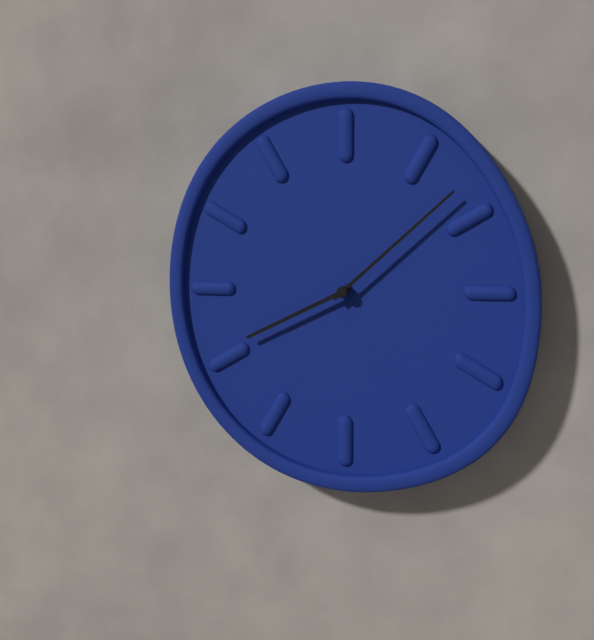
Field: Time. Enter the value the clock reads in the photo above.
8:08
